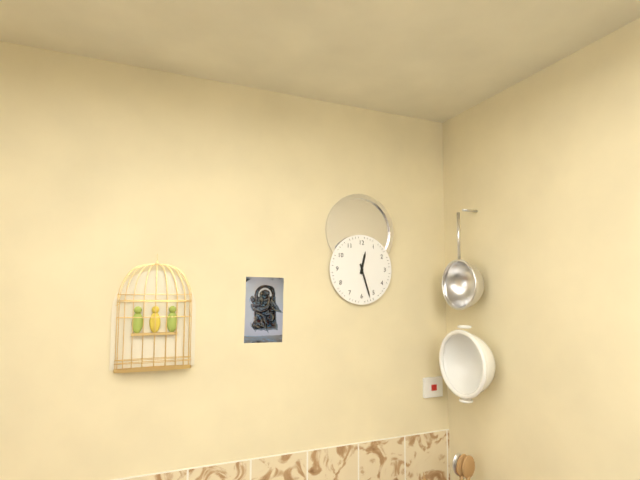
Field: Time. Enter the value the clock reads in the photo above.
12:27
